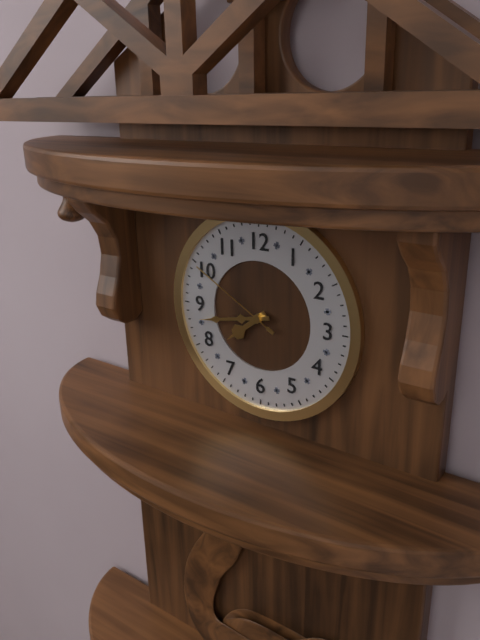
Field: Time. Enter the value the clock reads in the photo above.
7:43:50
